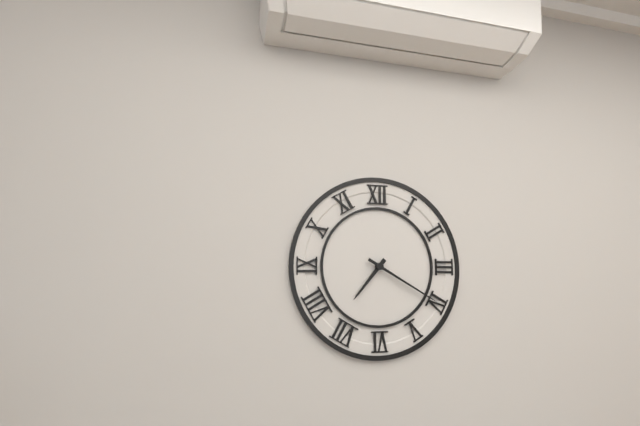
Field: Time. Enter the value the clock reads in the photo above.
7:20
